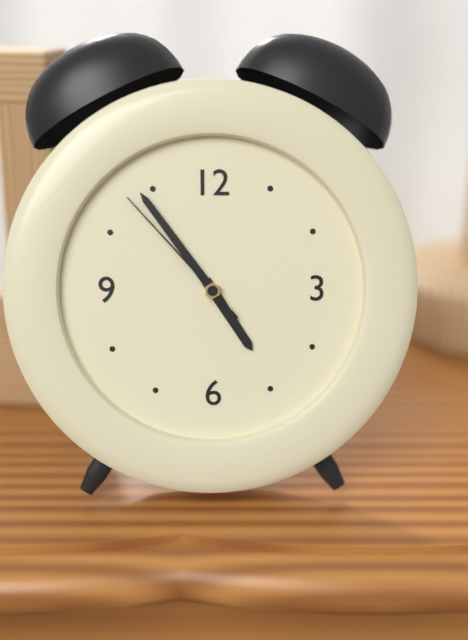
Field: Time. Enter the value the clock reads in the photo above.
4:54:53
